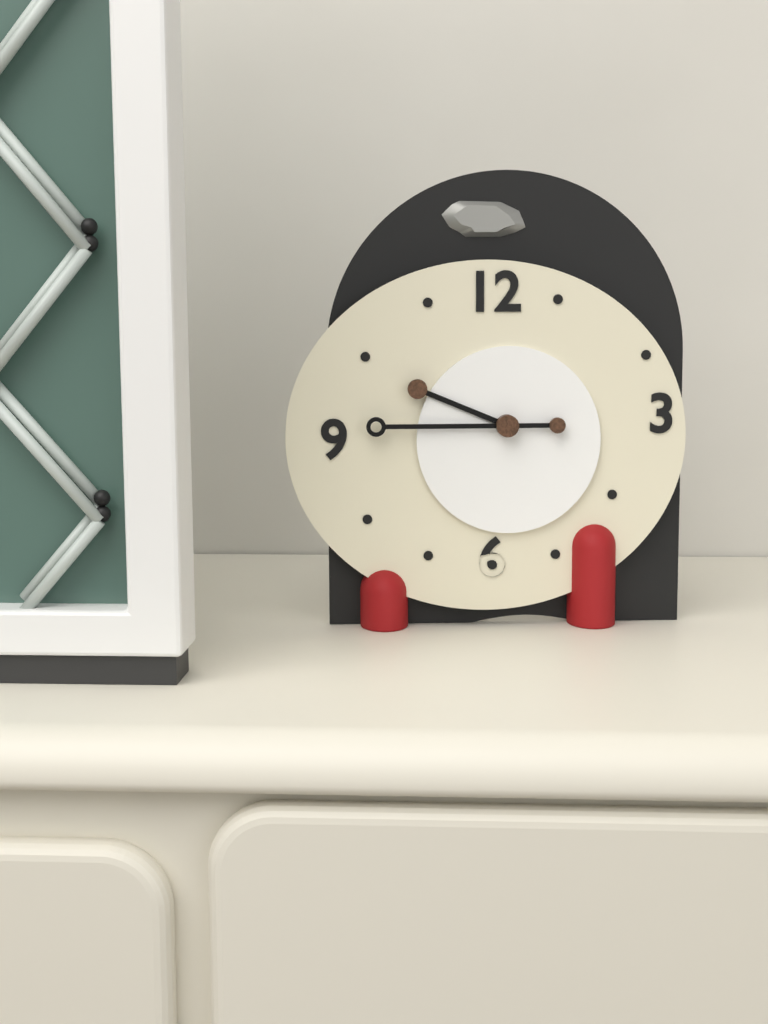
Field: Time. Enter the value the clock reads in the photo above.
9:45
